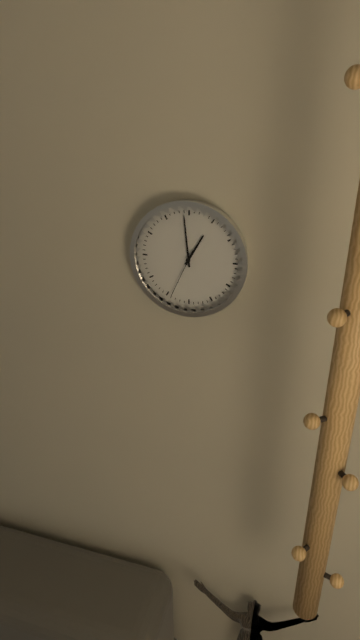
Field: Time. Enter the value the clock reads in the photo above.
12:59:34
